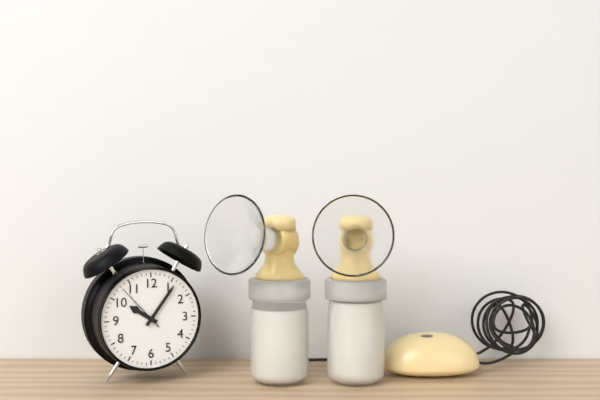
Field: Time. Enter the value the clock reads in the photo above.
10:06:53
